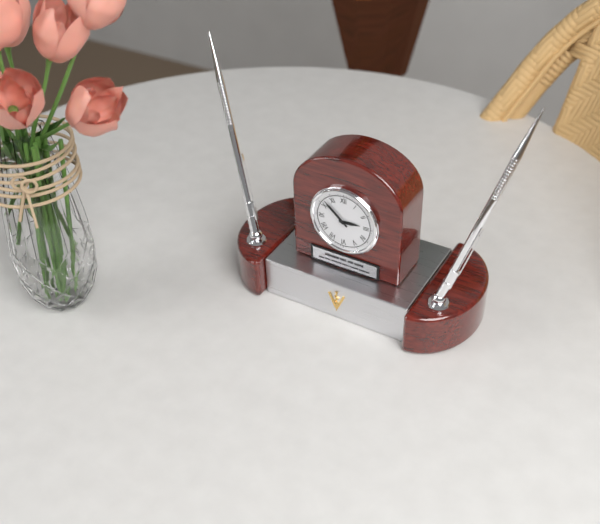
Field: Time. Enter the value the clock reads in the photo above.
2:52
